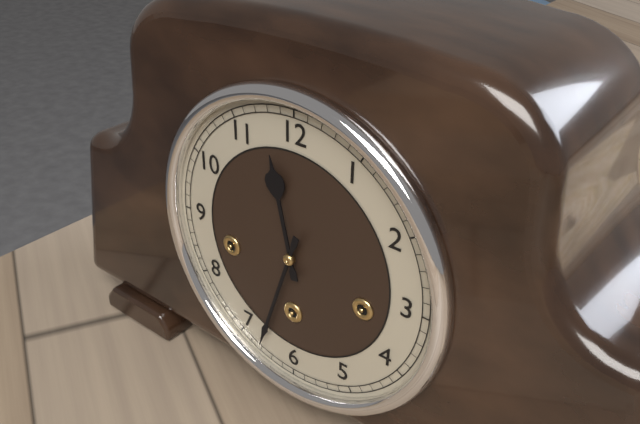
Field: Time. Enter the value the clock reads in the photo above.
11:33
